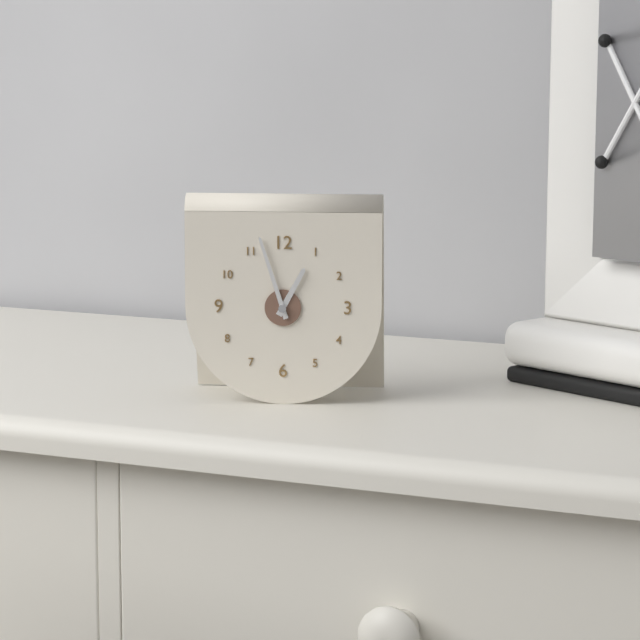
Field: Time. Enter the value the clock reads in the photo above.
12:57
